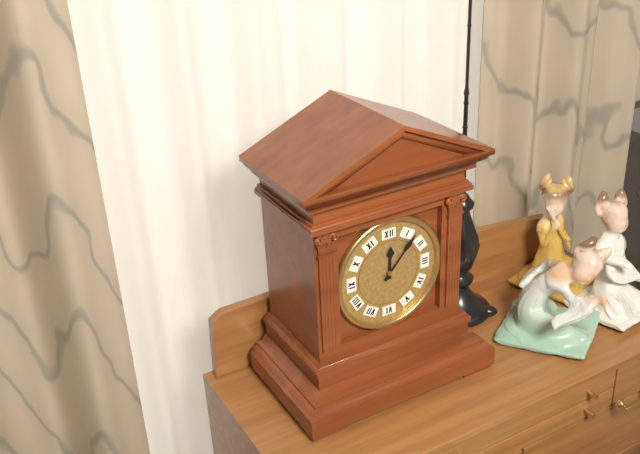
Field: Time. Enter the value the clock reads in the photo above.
12:07
